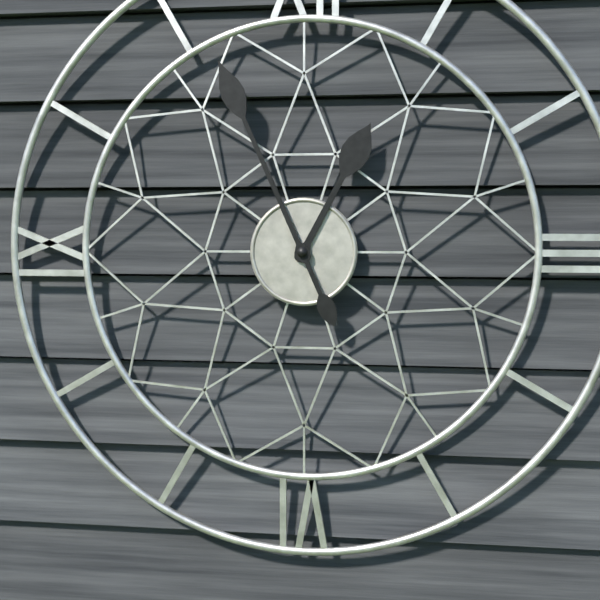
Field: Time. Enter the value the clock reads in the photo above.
12:56
